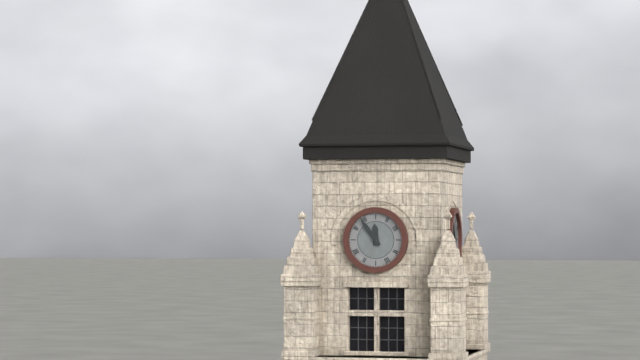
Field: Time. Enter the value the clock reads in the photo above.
11:54
